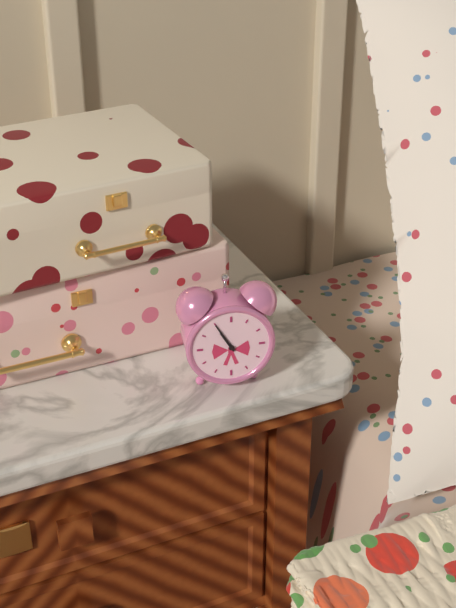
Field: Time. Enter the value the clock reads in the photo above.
10:55
